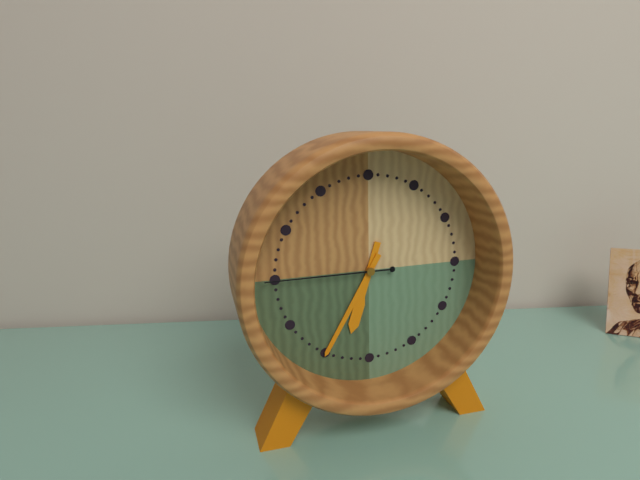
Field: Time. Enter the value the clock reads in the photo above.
6:35:45
